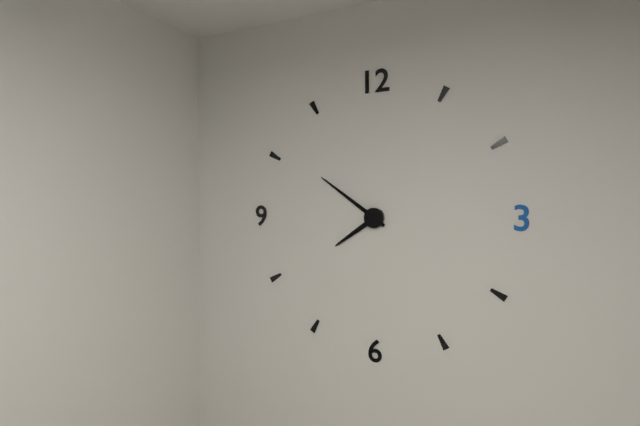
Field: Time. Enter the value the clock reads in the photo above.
7:51
